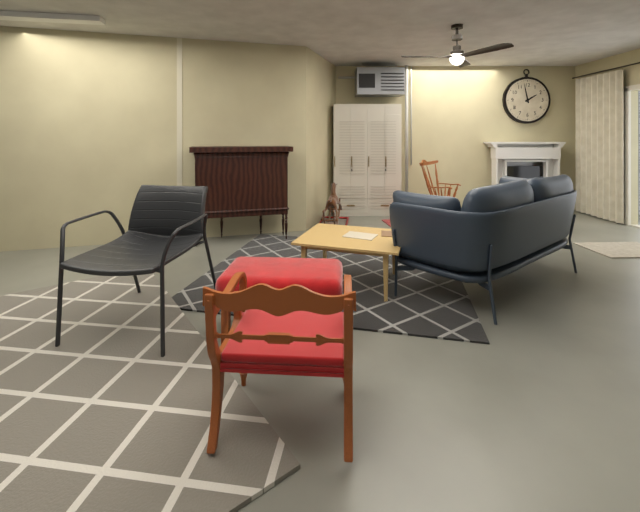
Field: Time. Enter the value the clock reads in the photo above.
1:58
